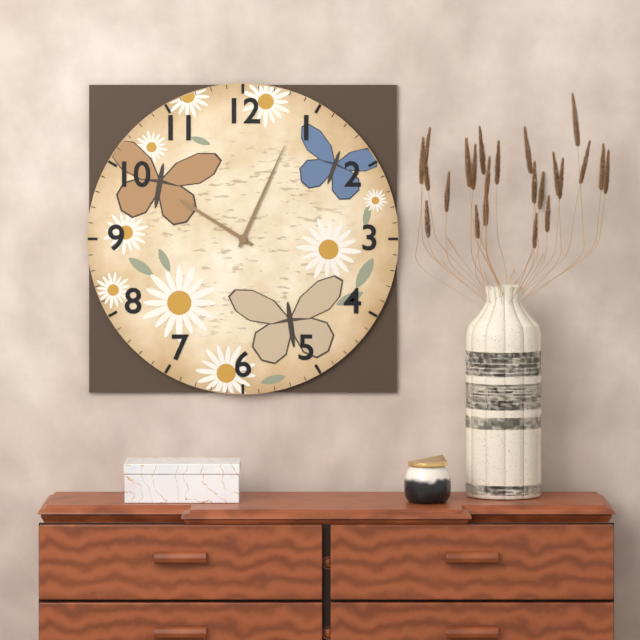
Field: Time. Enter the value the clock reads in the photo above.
10:04
